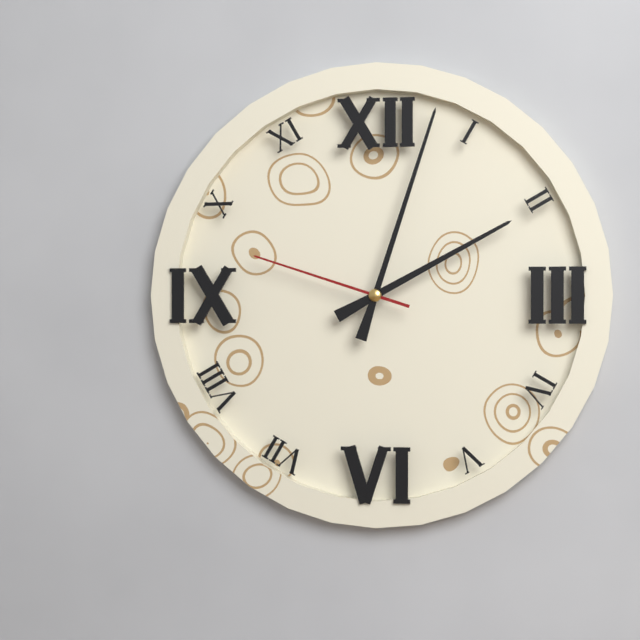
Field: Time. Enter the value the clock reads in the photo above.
2:03:48
